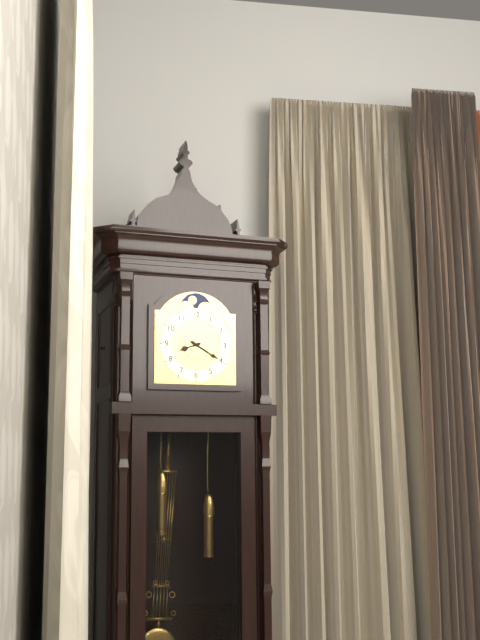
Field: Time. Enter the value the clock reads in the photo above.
8:20
